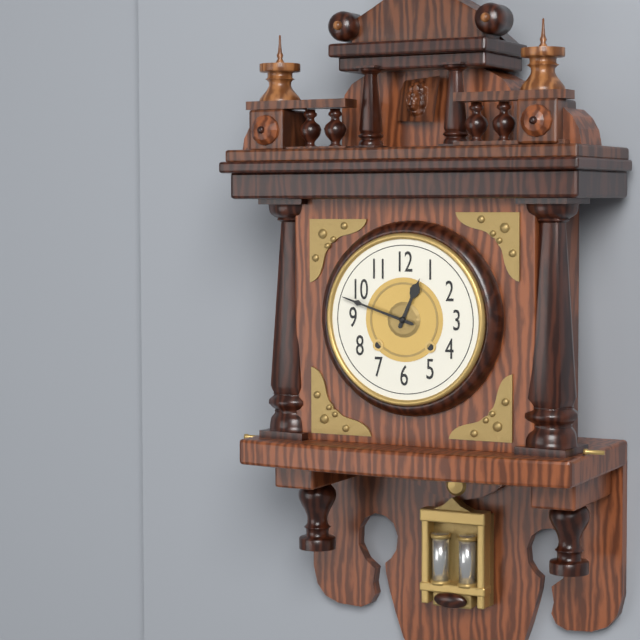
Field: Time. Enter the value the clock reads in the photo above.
12:48
